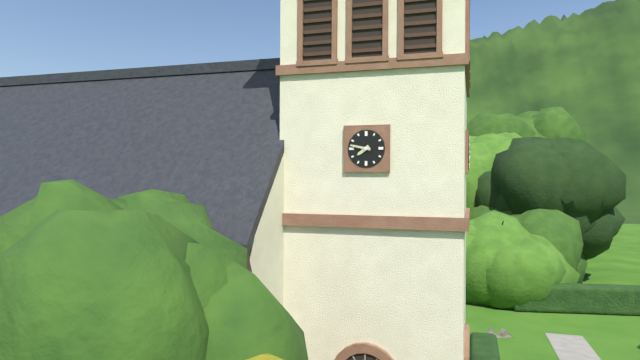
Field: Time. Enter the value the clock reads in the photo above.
7:47
